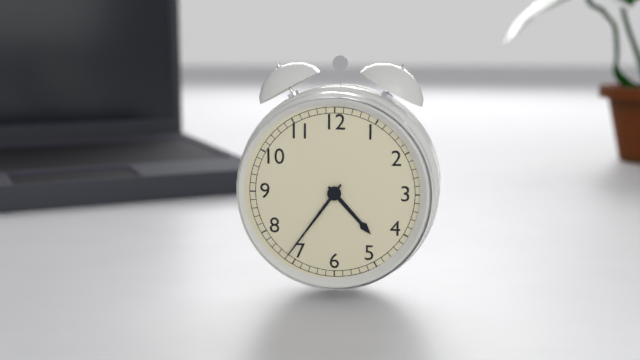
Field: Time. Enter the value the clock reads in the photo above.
4:36
